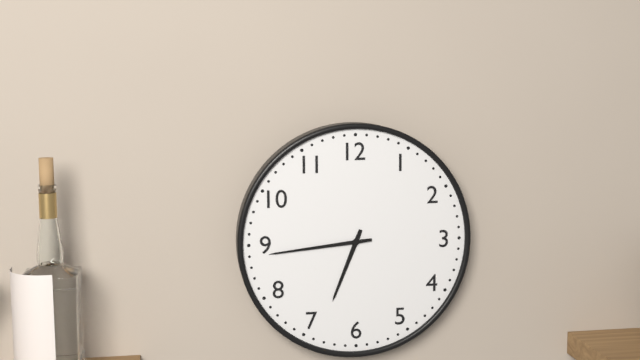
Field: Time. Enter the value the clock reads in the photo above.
6:44
